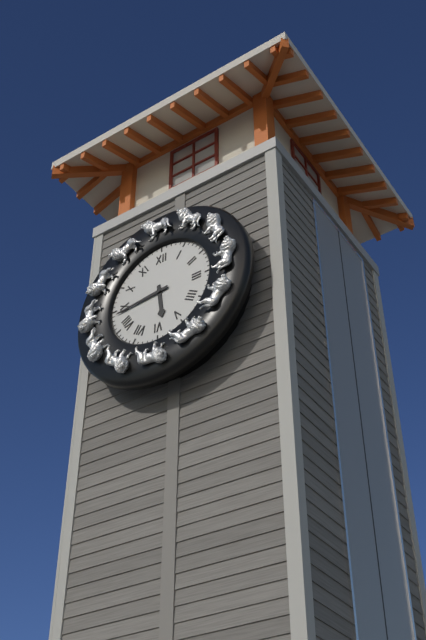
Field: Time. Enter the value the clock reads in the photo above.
5:44
